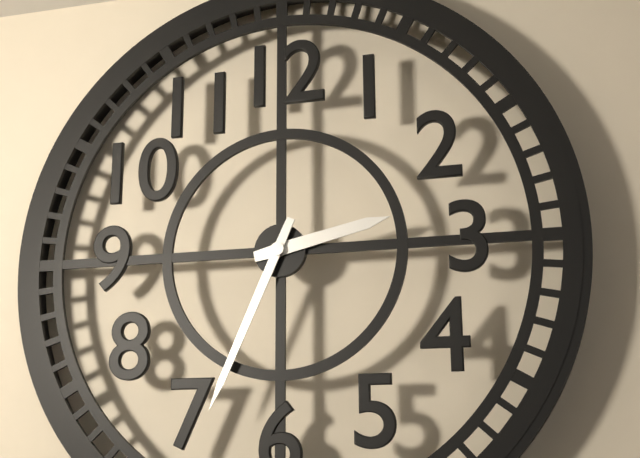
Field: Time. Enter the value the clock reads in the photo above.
2:34
